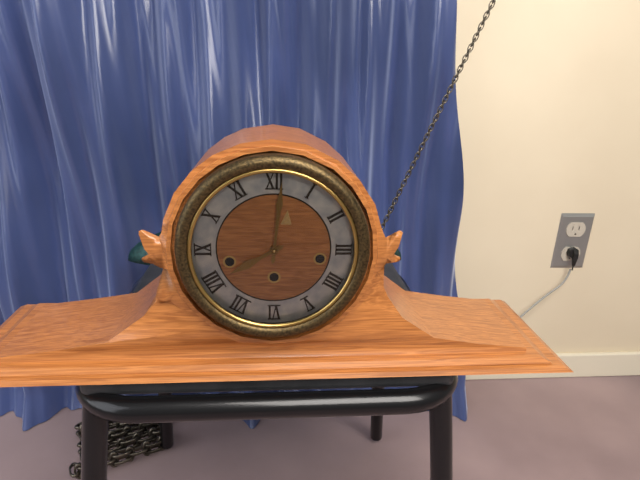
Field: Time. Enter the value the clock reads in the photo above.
8:01
